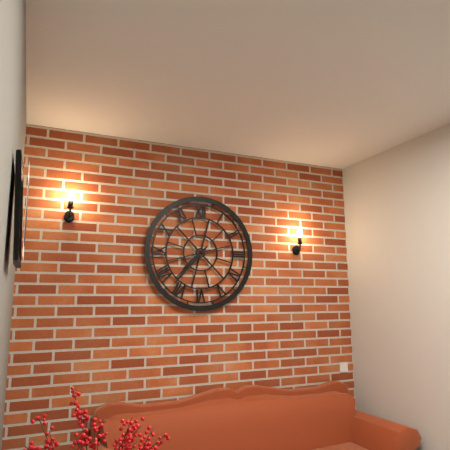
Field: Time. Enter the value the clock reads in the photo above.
7:37
